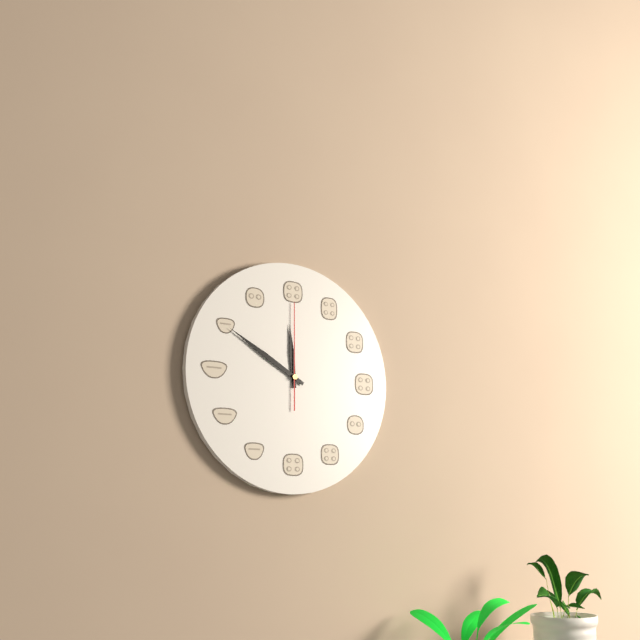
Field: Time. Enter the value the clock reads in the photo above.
11:50:00
